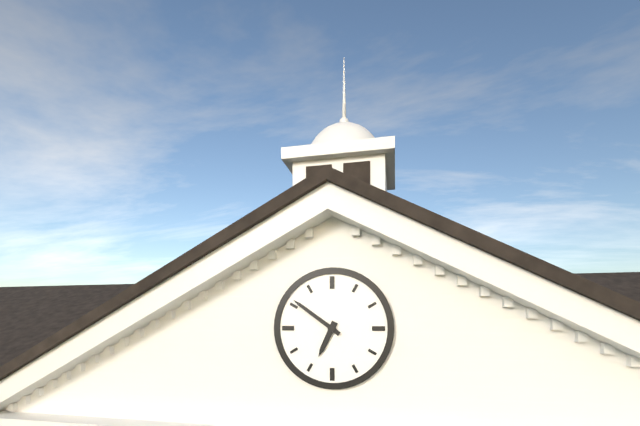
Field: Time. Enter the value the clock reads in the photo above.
6:51
